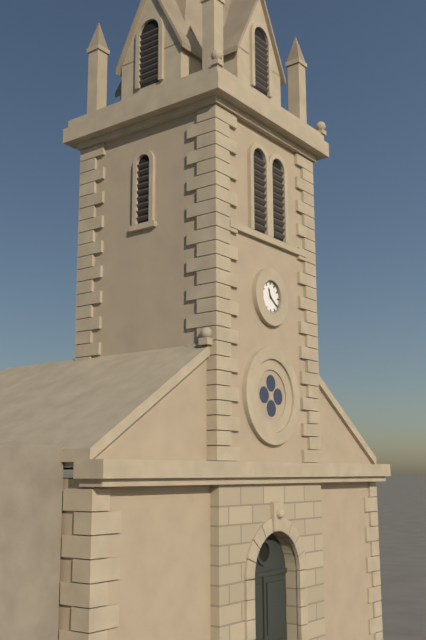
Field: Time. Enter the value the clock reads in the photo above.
11:21
